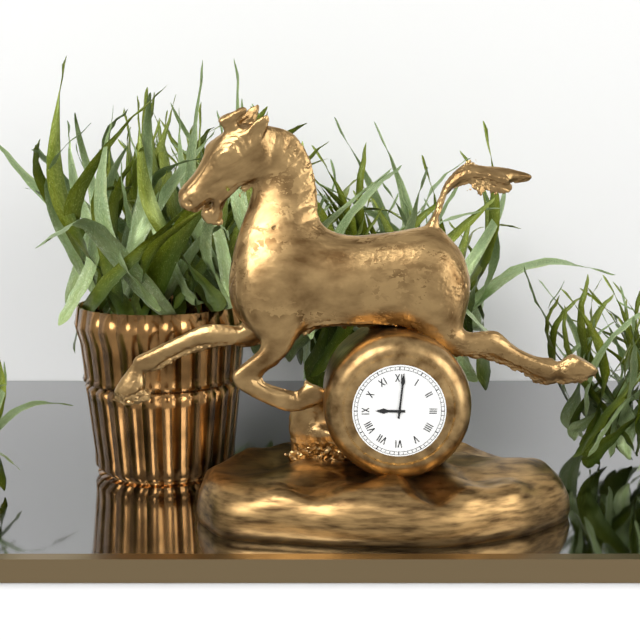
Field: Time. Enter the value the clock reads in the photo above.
9:01
